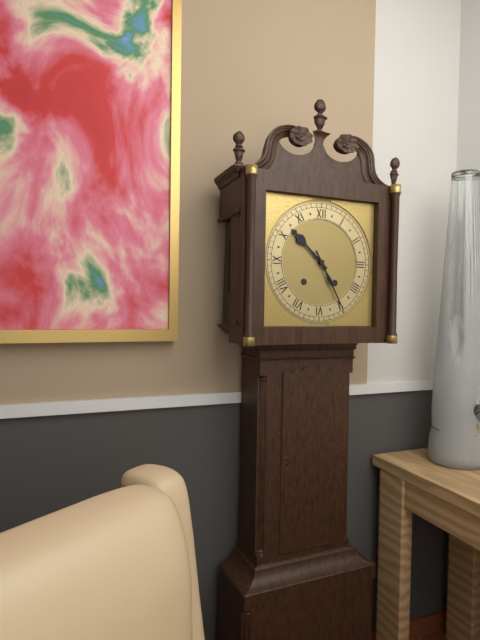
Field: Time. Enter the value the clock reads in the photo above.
10:25
